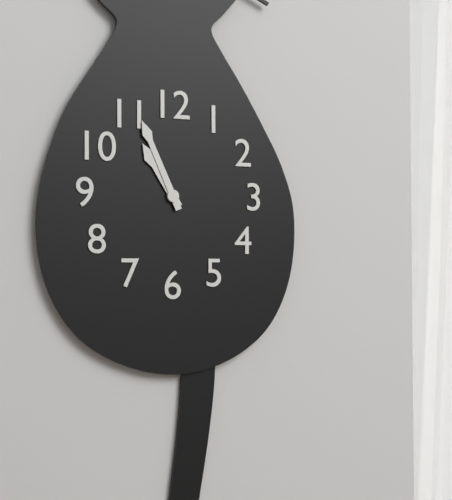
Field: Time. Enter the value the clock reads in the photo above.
10:56
